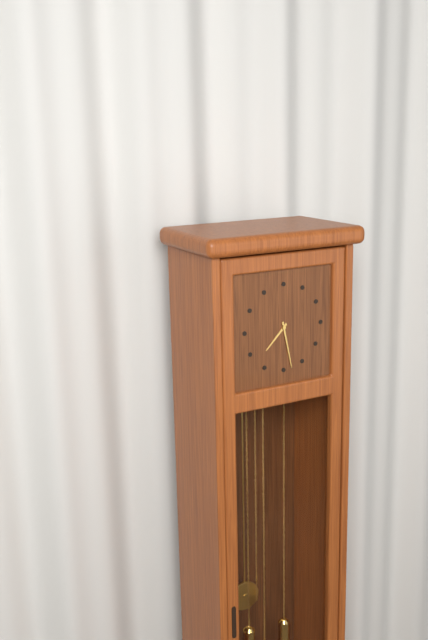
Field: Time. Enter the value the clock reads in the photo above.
7:28
